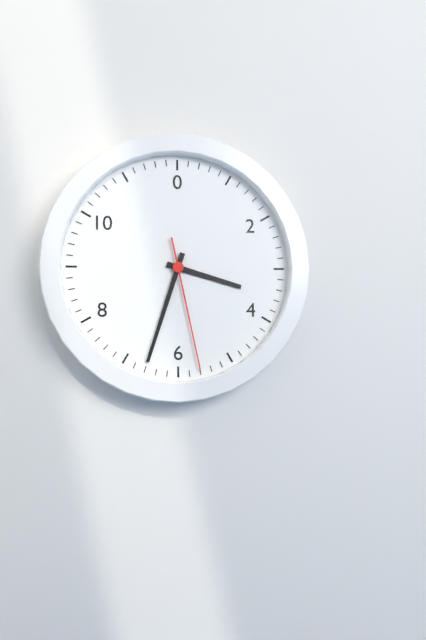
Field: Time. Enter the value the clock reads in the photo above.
3:33:28
